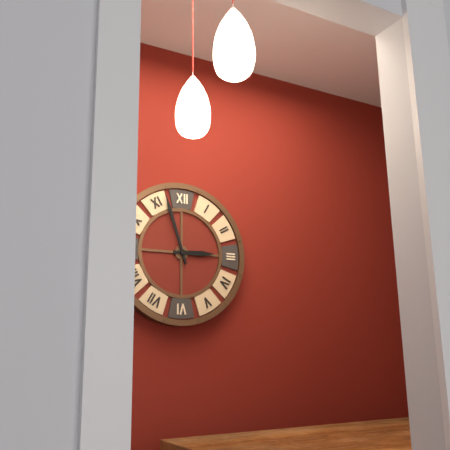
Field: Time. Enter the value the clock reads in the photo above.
2:57
